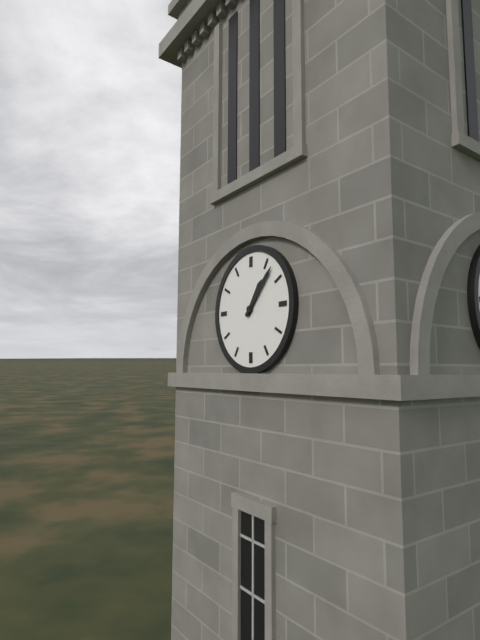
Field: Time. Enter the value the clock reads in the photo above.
1:07
